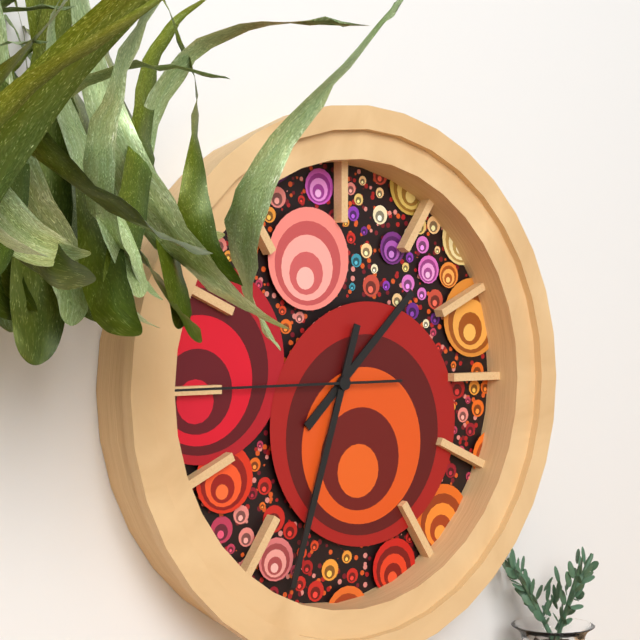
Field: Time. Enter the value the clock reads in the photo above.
1:33:45
